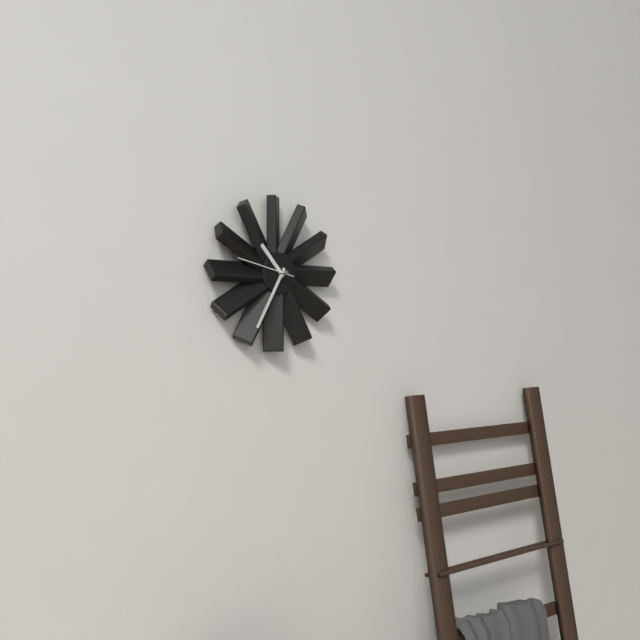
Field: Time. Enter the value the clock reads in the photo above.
10:35:47
